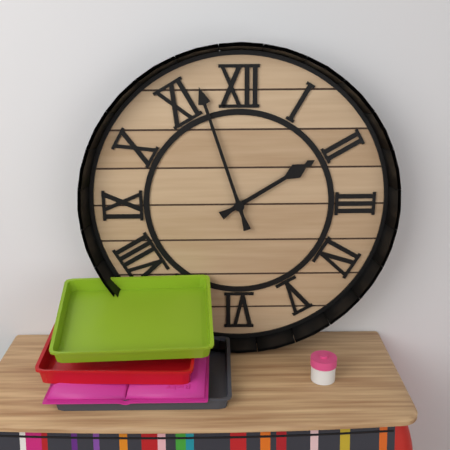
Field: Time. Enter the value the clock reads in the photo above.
1:57
